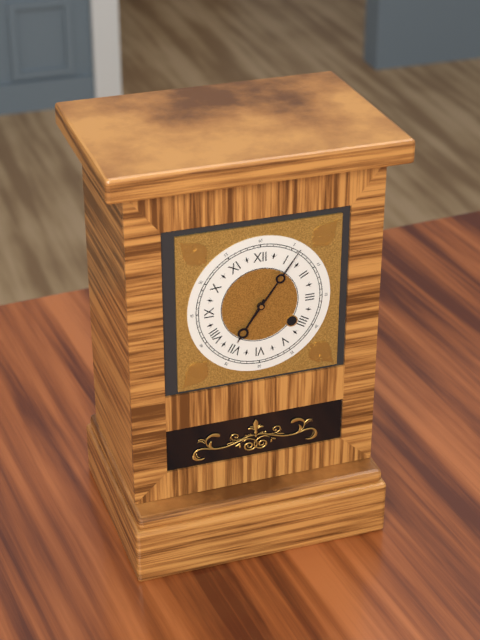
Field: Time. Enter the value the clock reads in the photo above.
7:06
